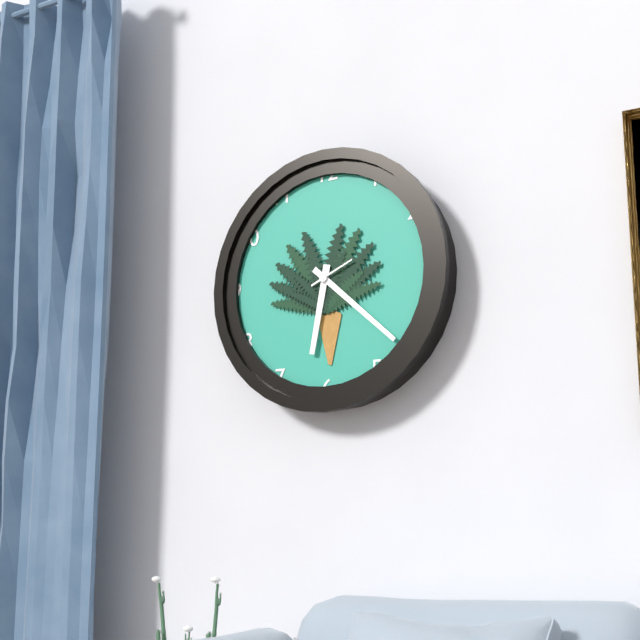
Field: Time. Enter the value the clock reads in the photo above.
6:22
